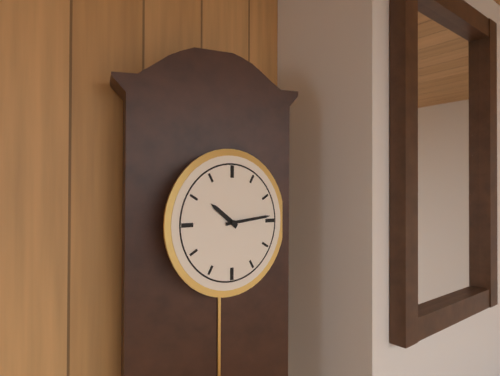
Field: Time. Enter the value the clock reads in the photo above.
10:14
